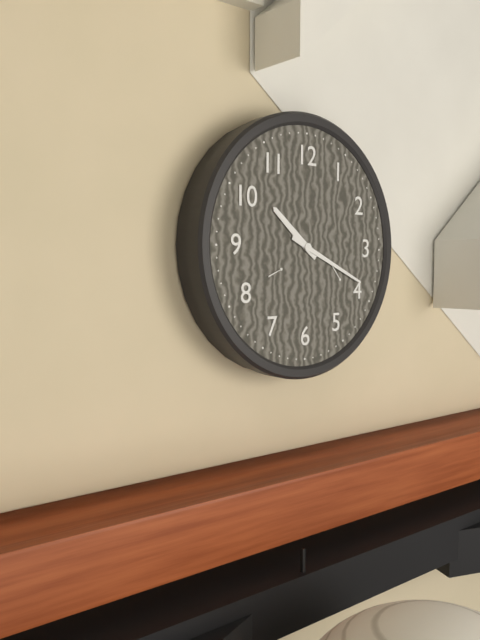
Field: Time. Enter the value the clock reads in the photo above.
10:19
